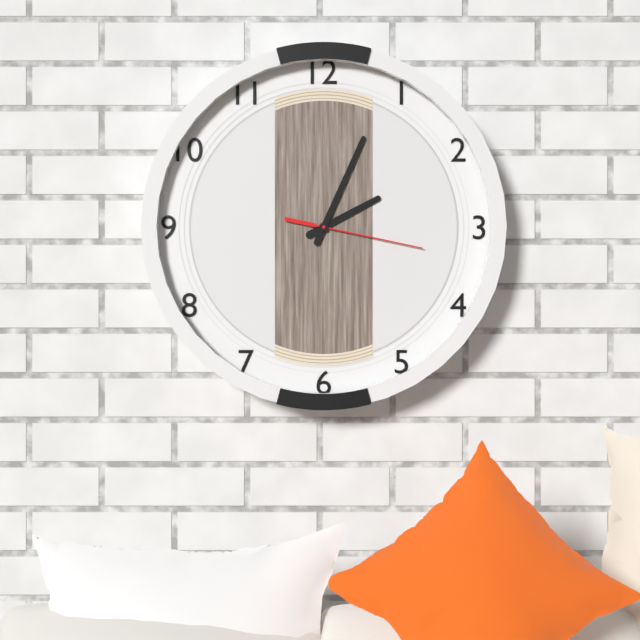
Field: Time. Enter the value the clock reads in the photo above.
2:04:17
